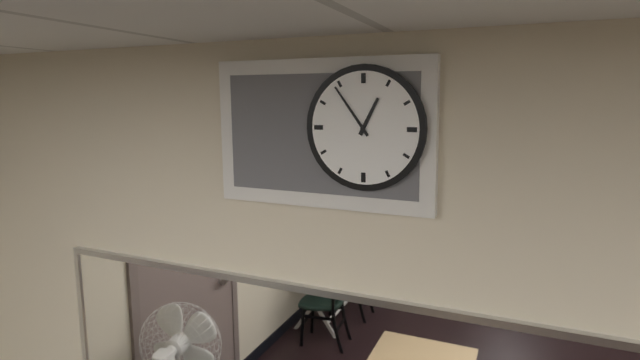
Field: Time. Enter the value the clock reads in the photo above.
12:54
